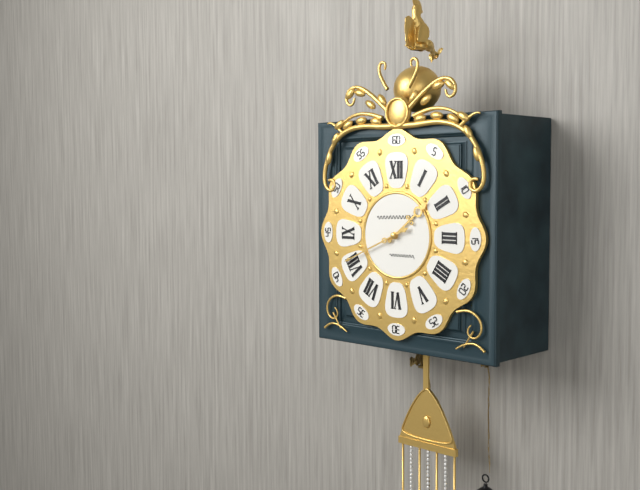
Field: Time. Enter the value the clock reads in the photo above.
1:41
